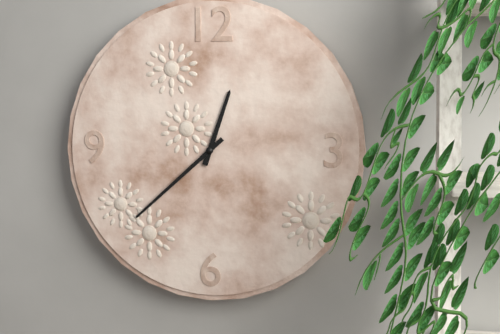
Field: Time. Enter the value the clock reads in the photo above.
12:38
